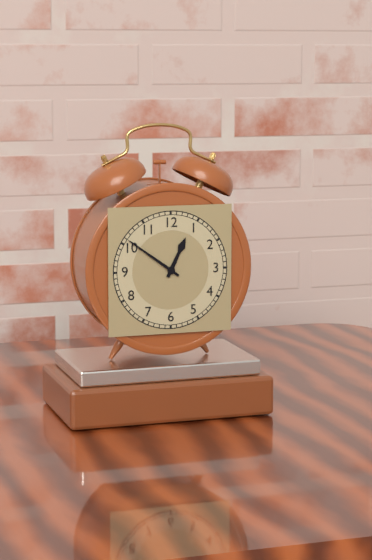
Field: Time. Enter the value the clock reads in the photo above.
12:51
